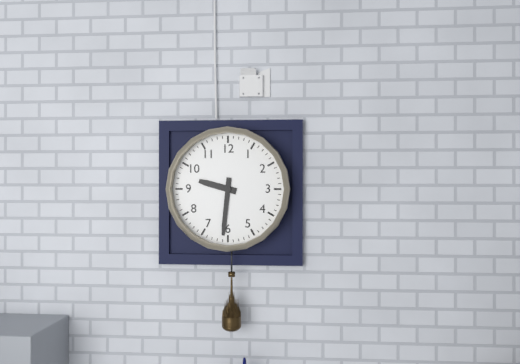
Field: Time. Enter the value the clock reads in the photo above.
9:31
